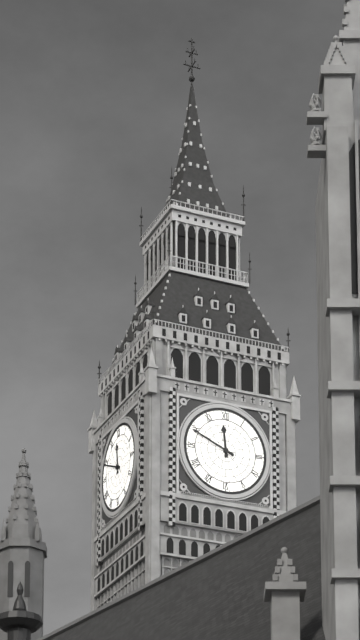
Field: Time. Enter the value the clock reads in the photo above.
11:49
